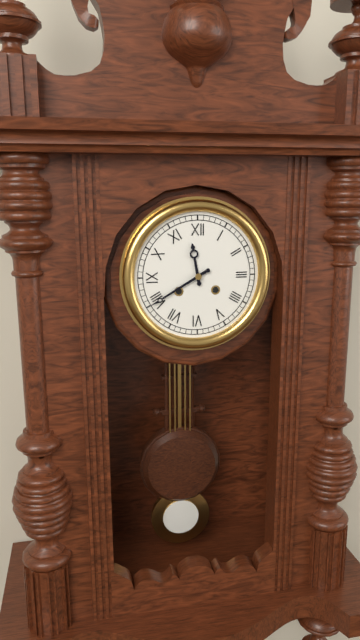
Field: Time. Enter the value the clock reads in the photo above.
11:40
